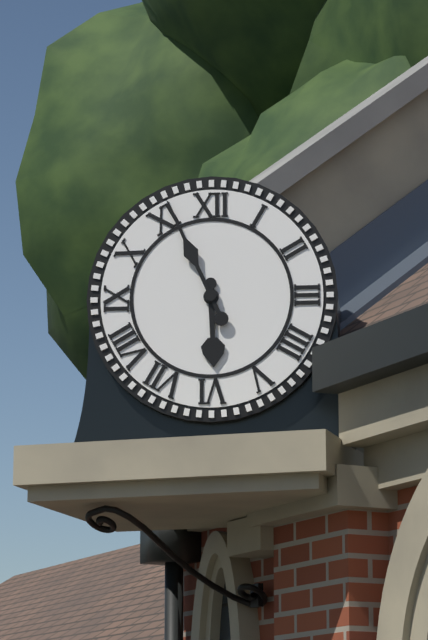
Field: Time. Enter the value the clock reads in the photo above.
5:56
